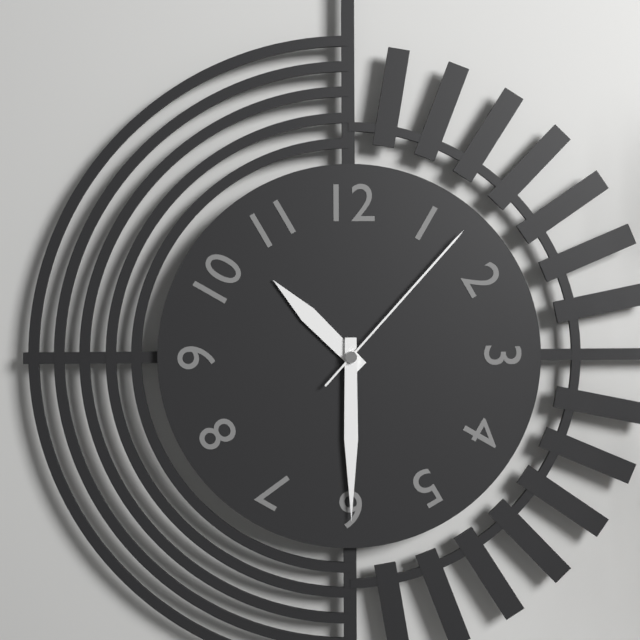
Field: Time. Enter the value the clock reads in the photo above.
10:30:07
